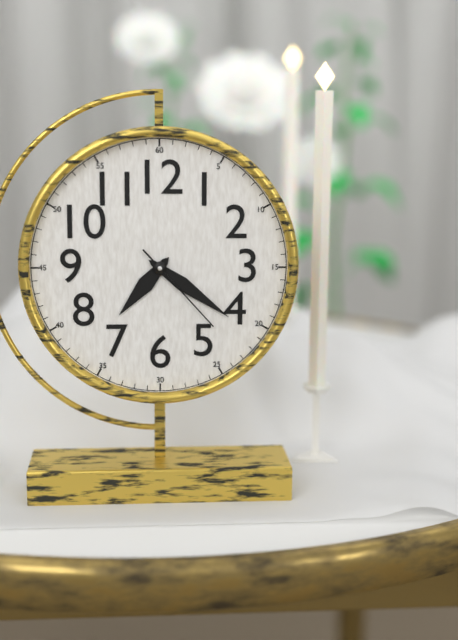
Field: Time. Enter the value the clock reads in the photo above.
7:21:23
